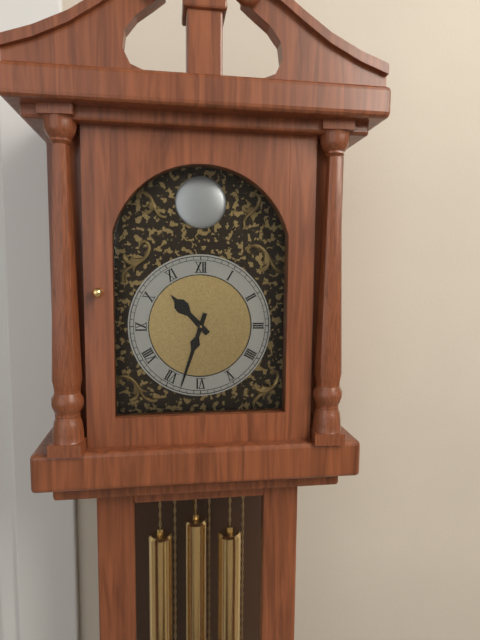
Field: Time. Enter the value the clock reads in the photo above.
10:33
